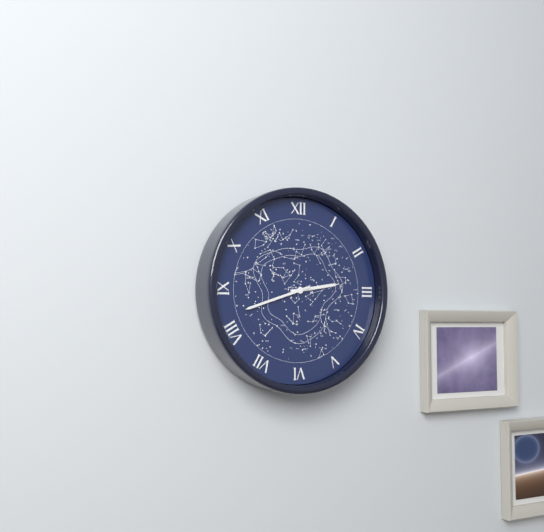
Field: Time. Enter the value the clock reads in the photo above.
2:42
